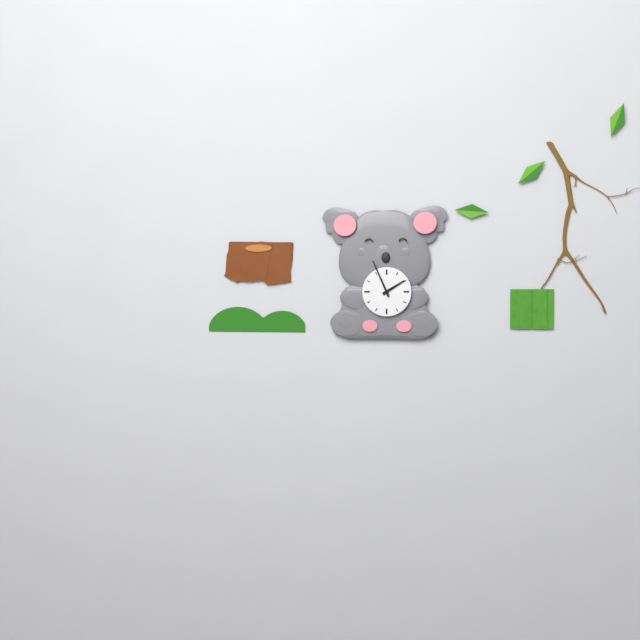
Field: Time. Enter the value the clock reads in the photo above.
1:56
